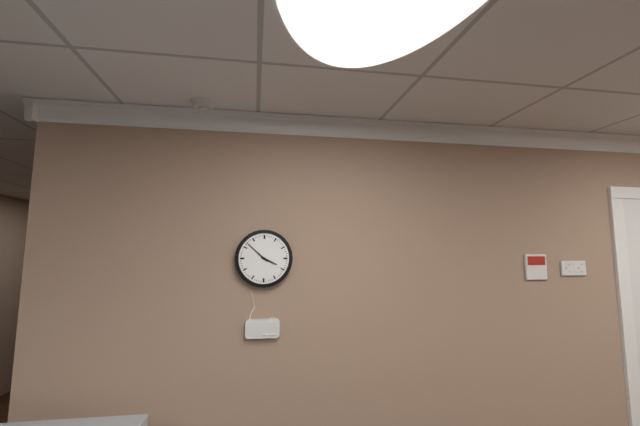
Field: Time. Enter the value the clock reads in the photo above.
3:52
